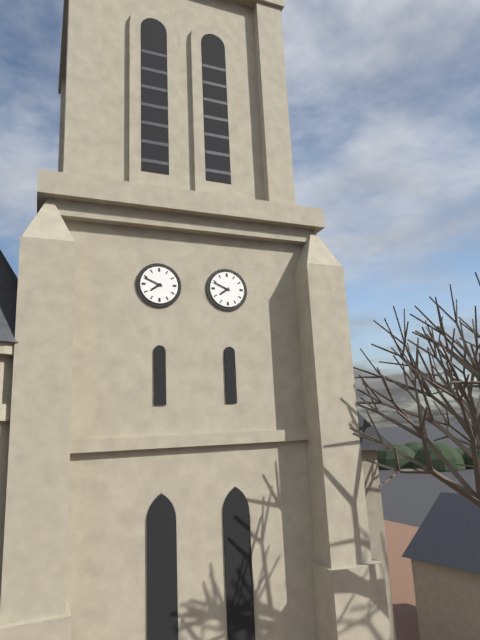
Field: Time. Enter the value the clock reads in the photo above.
7:49
